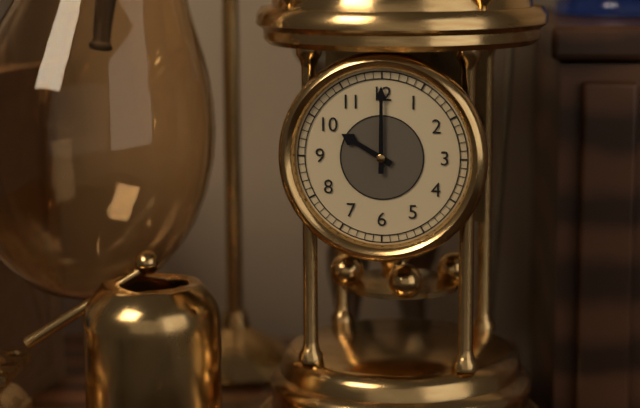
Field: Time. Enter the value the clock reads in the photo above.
10:00
